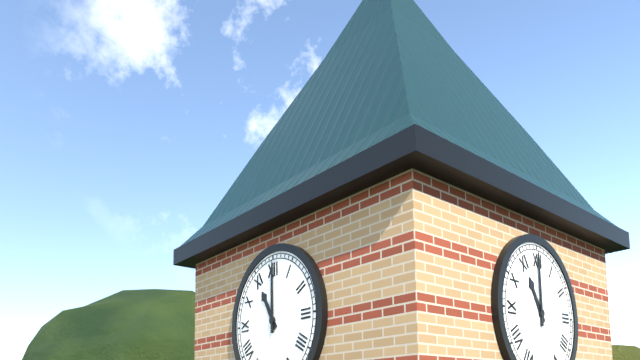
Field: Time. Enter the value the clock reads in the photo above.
11:00
